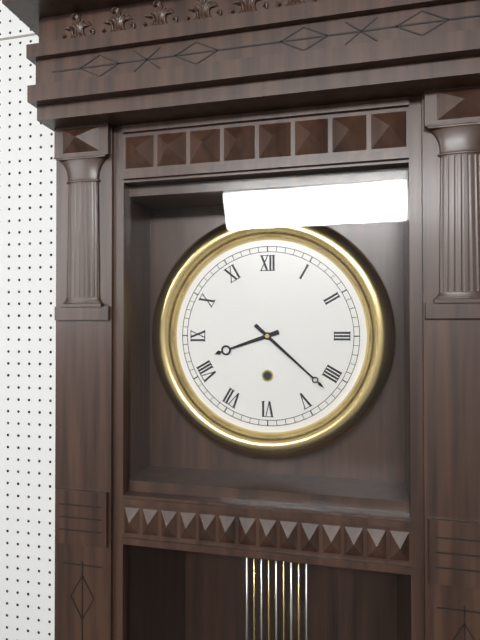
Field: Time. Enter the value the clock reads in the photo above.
8:22
